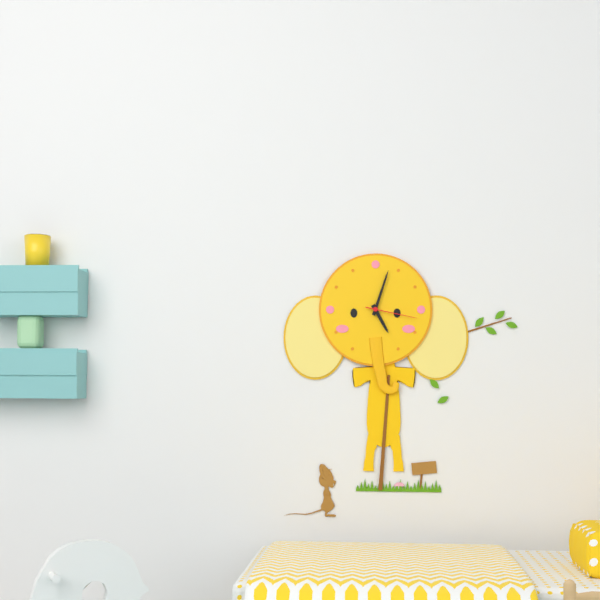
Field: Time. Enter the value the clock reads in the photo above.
5:03:17
